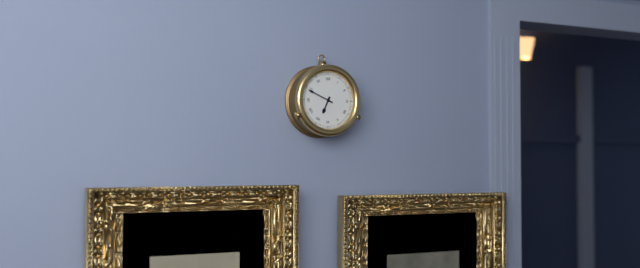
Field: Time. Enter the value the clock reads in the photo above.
6:49
